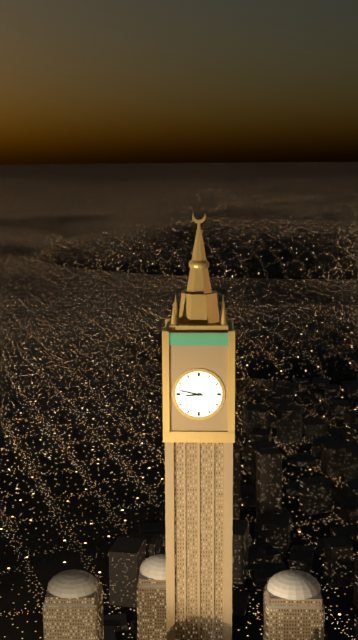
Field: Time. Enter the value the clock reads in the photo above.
8:47
